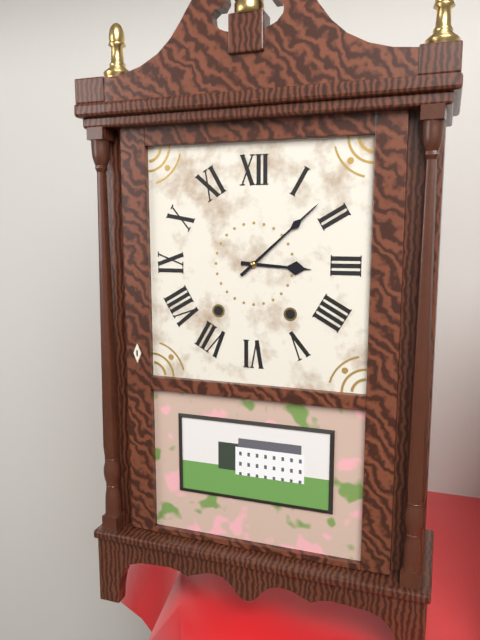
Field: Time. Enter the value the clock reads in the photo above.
3:08
